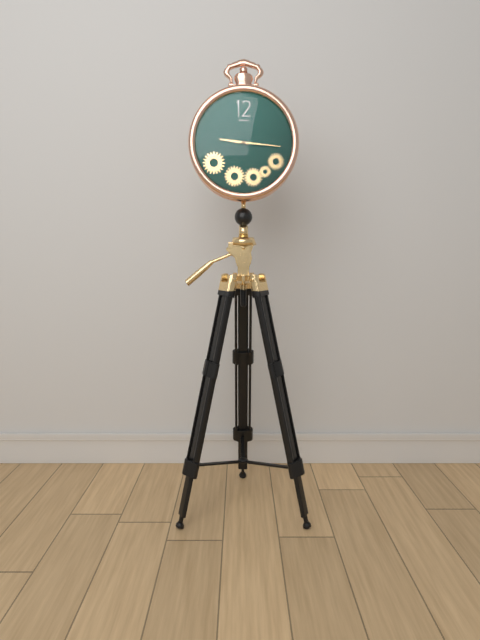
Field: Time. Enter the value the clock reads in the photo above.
9:16
